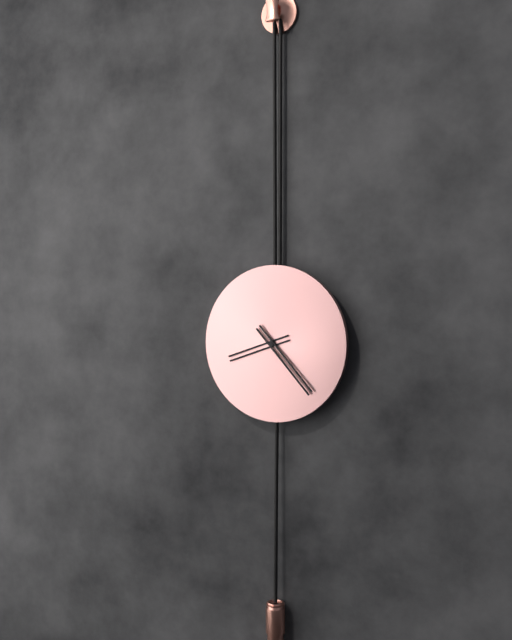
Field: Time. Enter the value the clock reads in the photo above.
8:23
